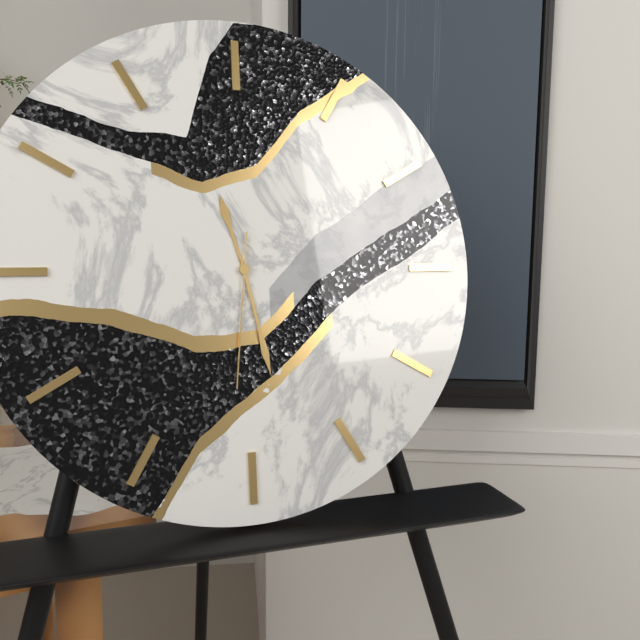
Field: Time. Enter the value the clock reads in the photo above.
11:28:31
